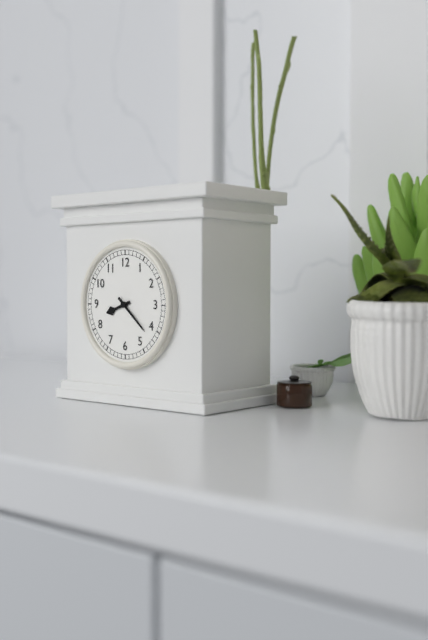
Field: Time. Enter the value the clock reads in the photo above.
8:22
